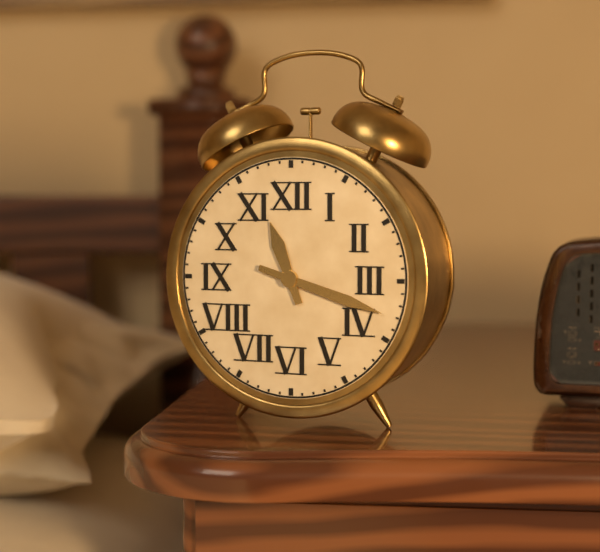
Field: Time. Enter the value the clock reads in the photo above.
11:18
